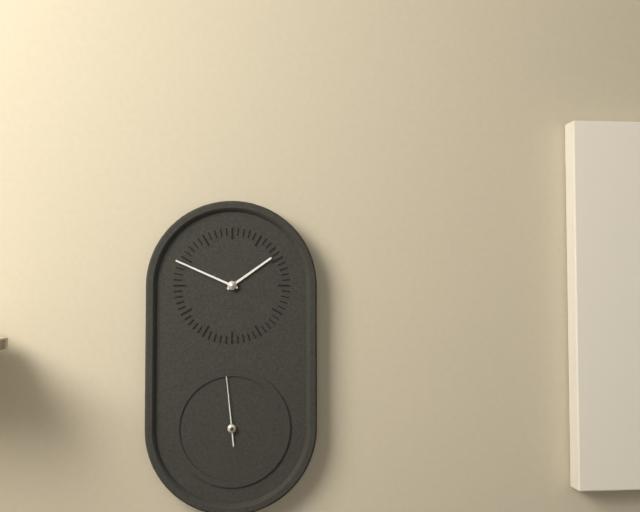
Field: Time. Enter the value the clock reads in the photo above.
1:49:59
